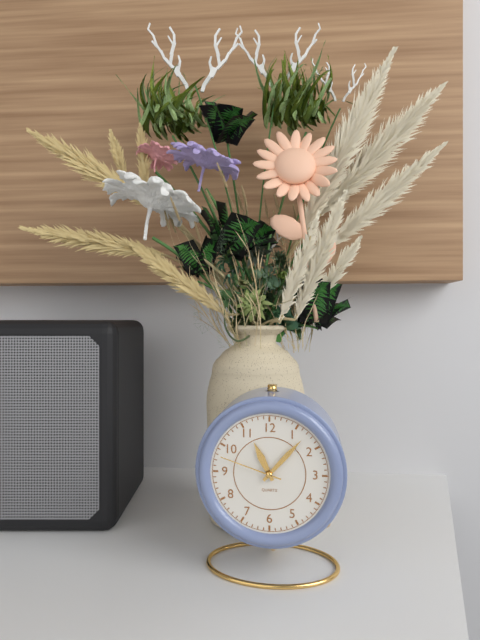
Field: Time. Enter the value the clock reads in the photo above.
11:07:48
